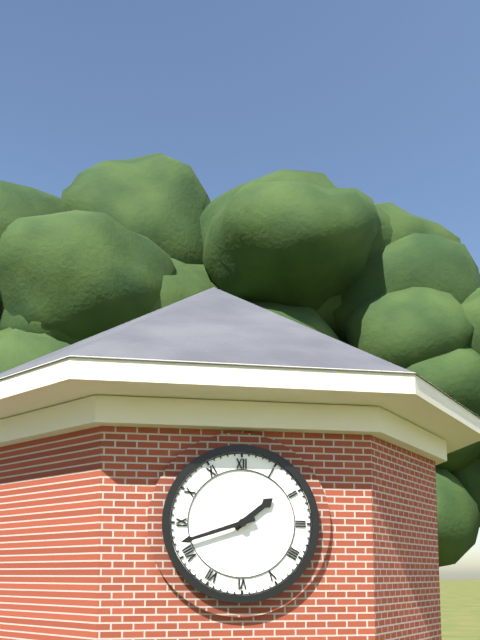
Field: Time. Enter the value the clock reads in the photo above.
1:42
